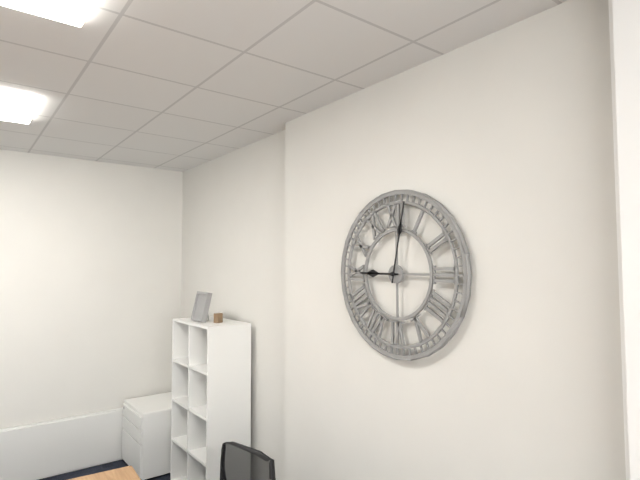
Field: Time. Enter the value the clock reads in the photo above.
9:02
